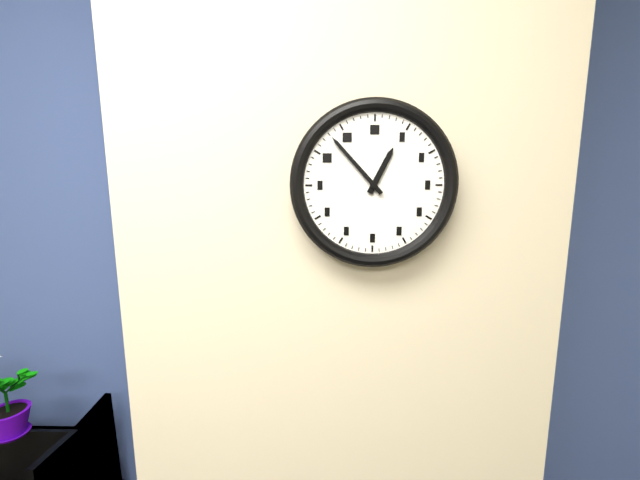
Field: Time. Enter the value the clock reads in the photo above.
12:53
